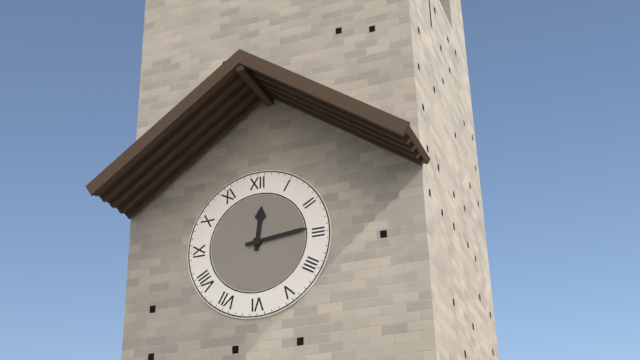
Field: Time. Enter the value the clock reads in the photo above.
12:14
